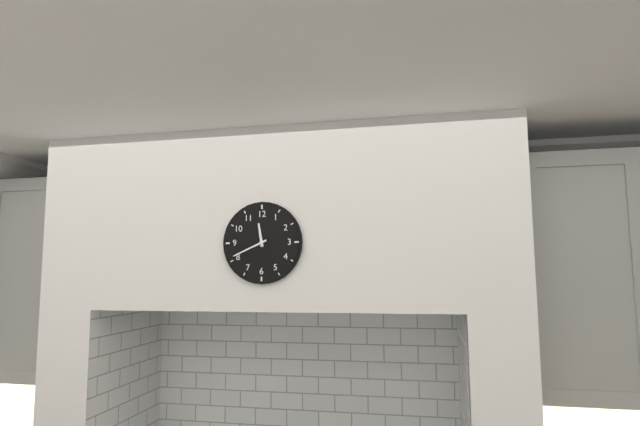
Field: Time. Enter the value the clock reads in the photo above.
11:41
